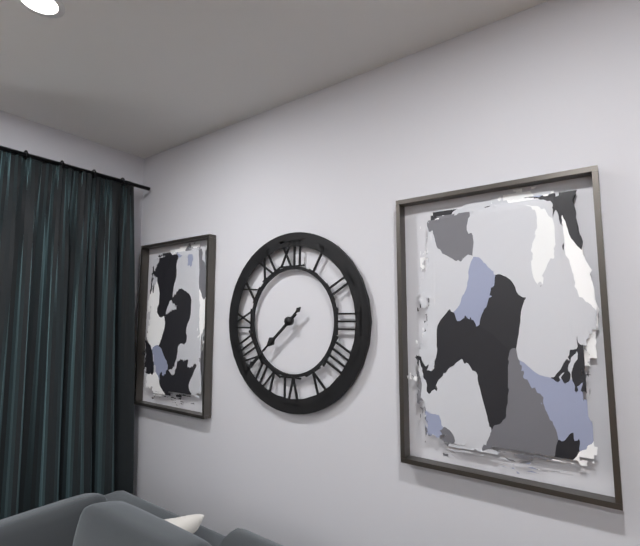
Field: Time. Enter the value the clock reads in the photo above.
7:38
